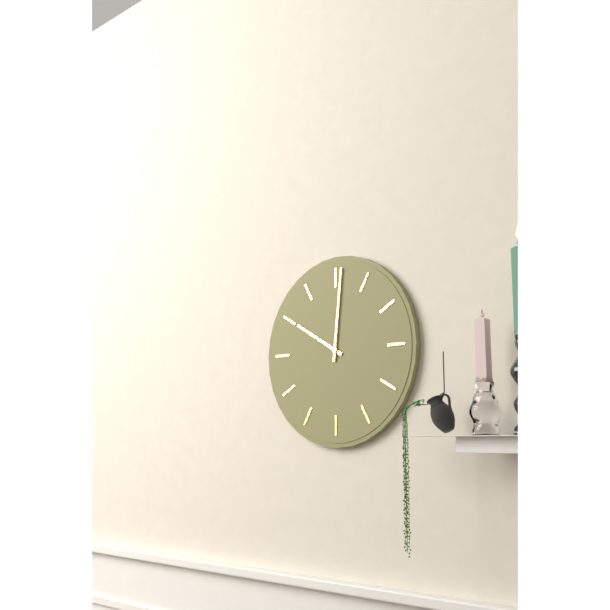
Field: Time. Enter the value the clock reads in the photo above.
10:01
